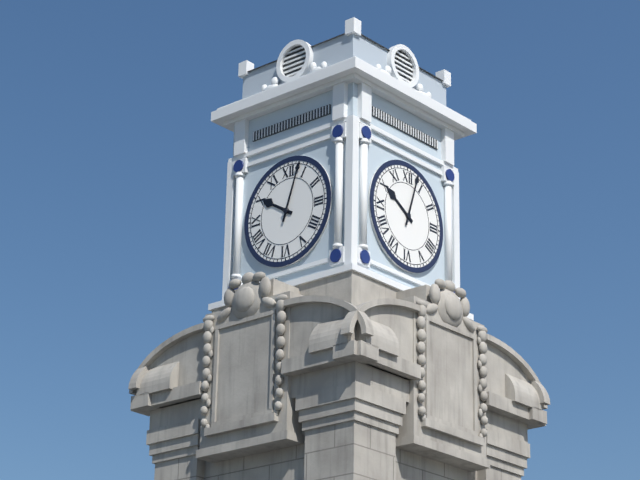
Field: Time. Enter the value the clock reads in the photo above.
10:03
